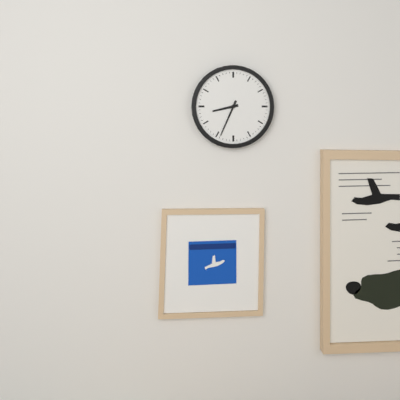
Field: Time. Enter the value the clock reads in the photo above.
8:34
